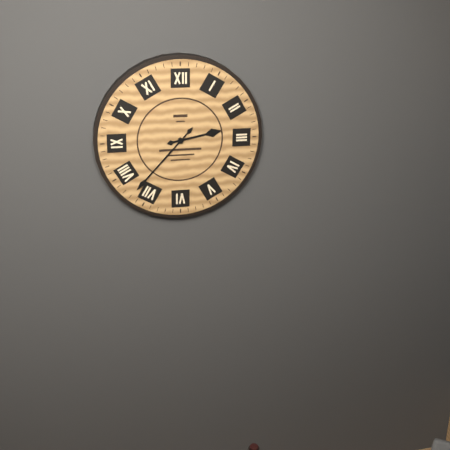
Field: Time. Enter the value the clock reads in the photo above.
2:37
